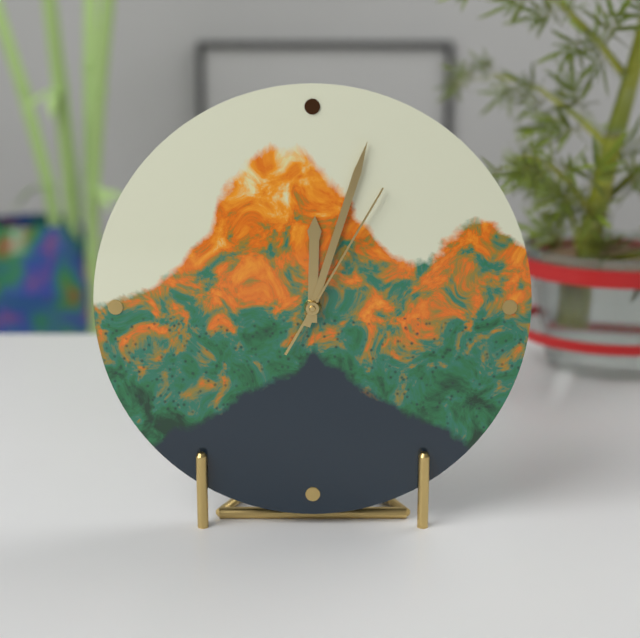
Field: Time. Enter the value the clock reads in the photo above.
12:03:05
